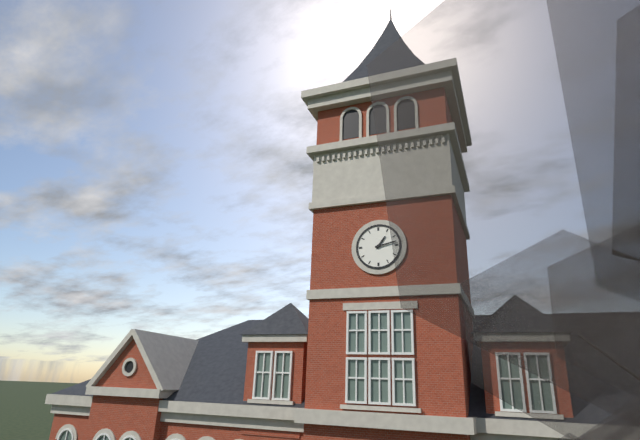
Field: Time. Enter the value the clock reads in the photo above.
1:13
